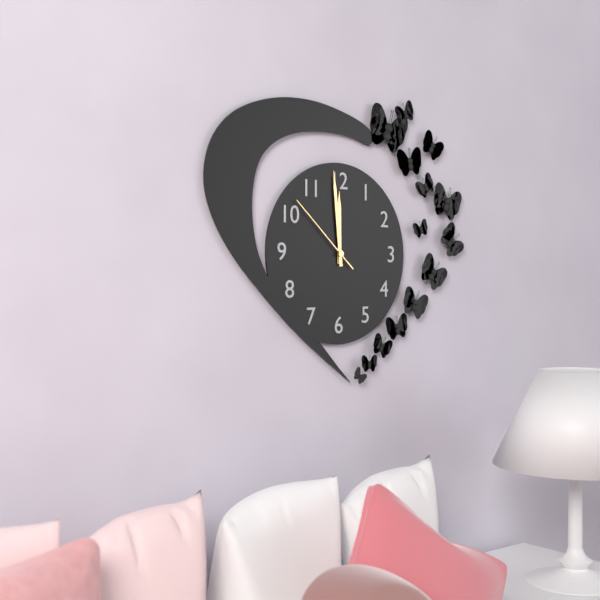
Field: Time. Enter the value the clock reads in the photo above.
11:59:52
